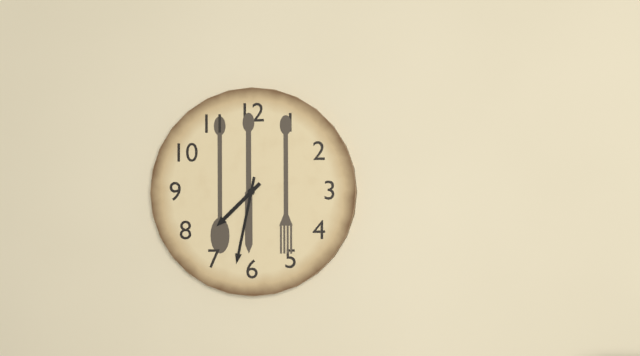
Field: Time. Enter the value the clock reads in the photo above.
7:32
